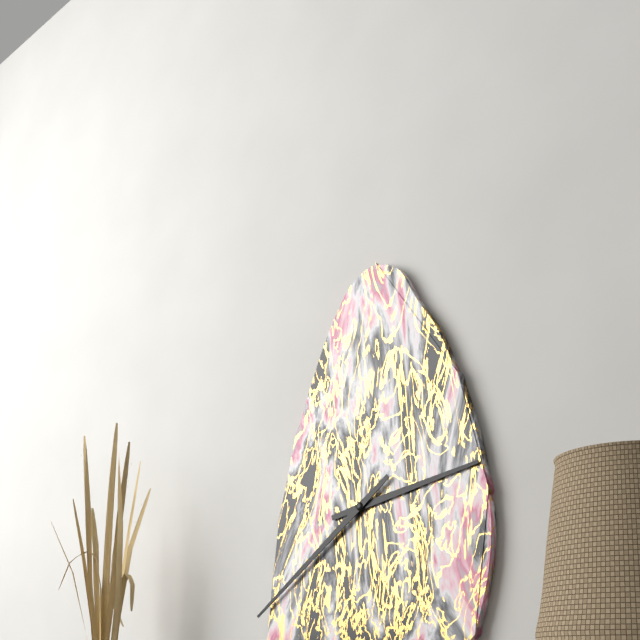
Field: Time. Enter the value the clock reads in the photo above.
2:39
